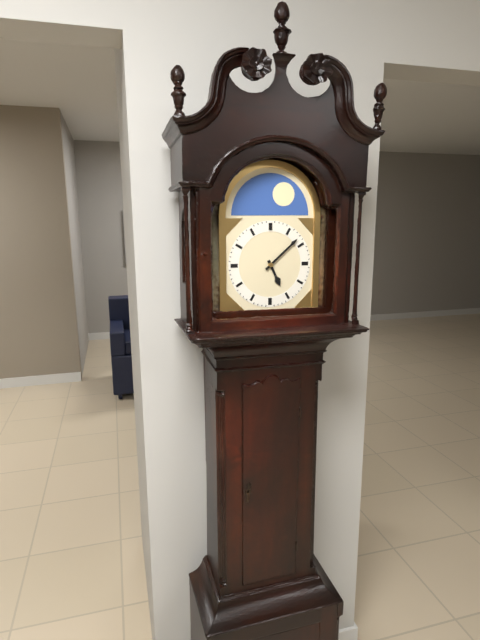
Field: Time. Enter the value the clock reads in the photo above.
5:08
